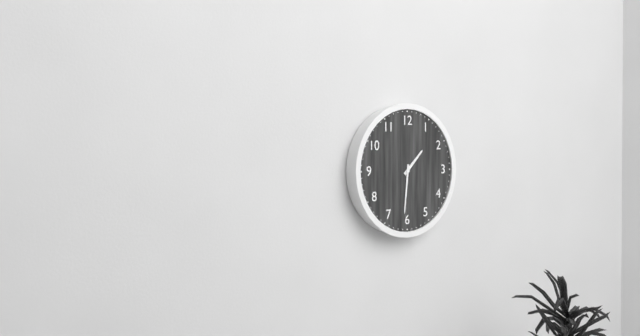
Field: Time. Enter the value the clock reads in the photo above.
1:31
